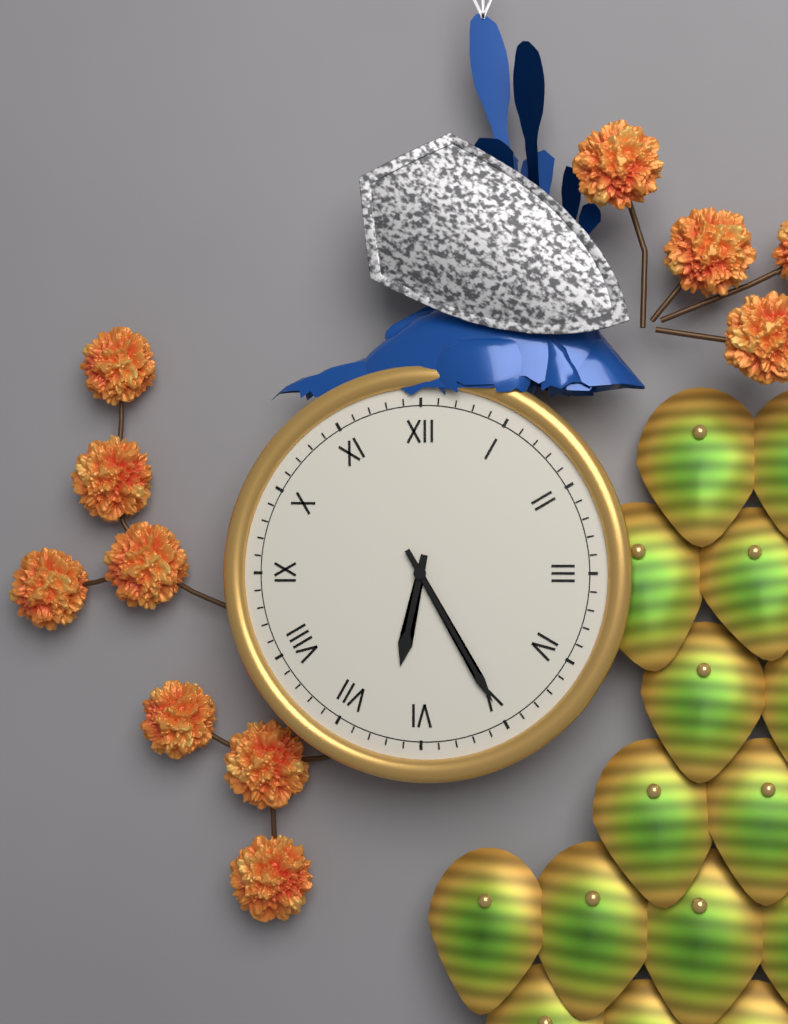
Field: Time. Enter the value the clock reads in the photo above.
6:25
